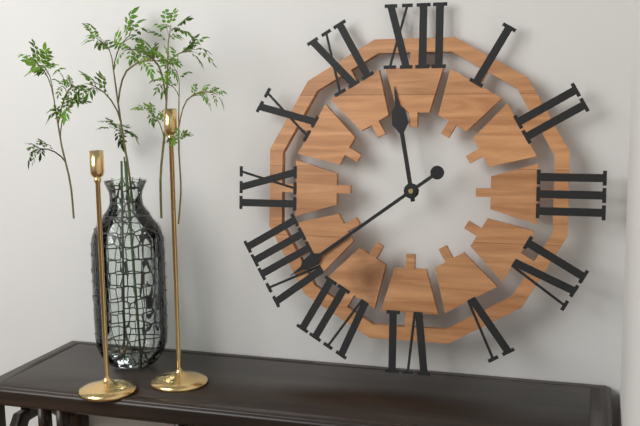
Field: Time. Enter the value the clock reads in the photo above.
11:39
